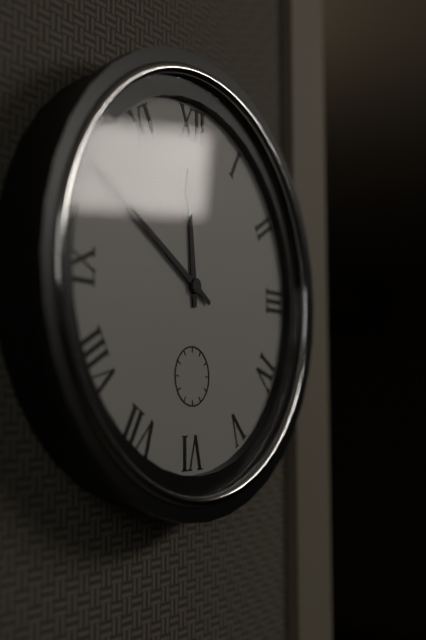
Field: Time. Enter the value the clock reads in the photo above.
11:50
